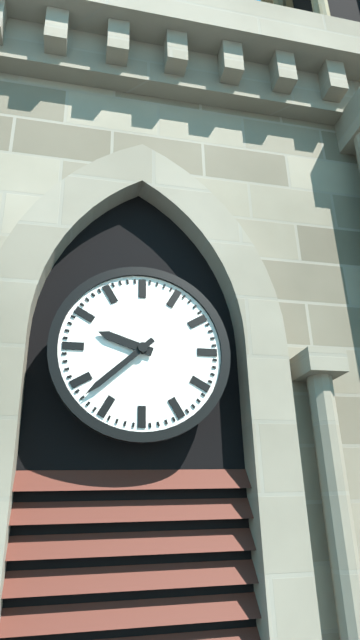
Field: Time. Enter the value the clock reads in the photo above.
9:38
